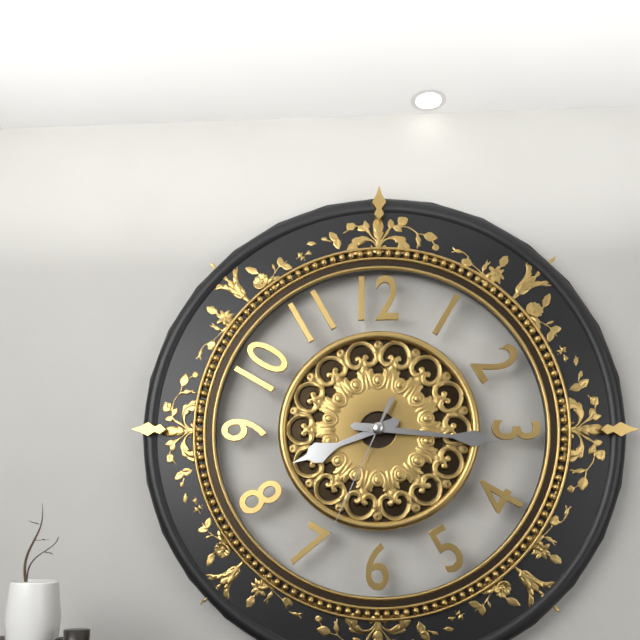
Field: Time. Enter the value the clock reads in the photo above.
8:16:34
